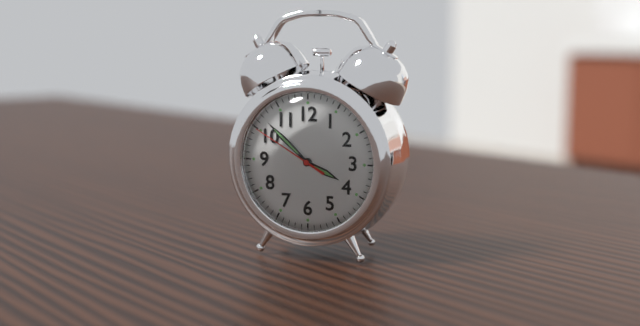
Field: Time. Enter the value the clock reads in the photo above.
3:52:50
